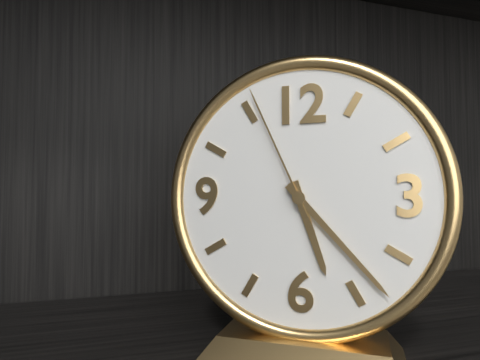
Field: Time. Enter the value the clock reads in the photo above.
5:23:56
